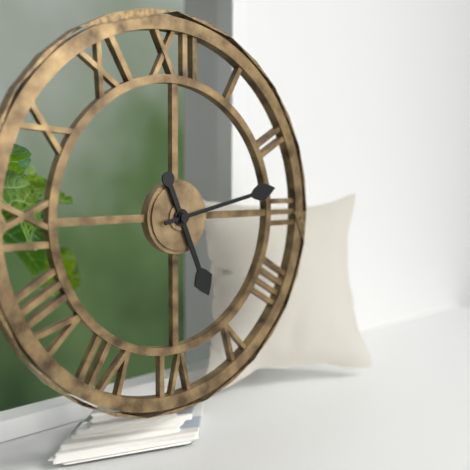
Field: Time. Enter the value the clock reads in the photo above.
5:13
